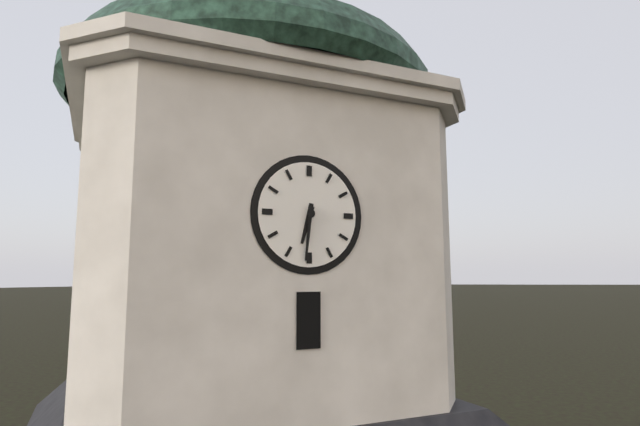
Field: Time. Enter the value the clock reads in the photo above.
6:31
